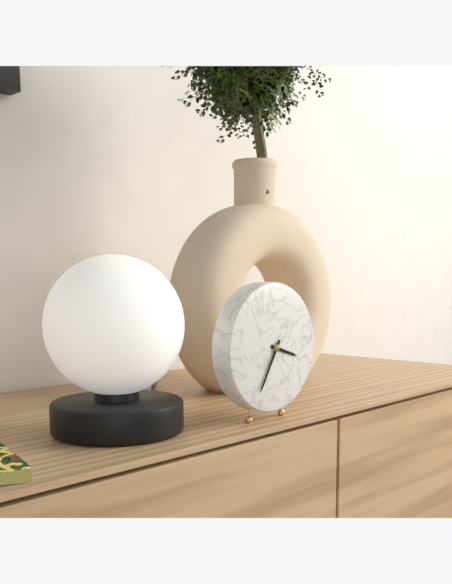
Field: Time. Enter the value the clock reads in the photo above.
3:35
